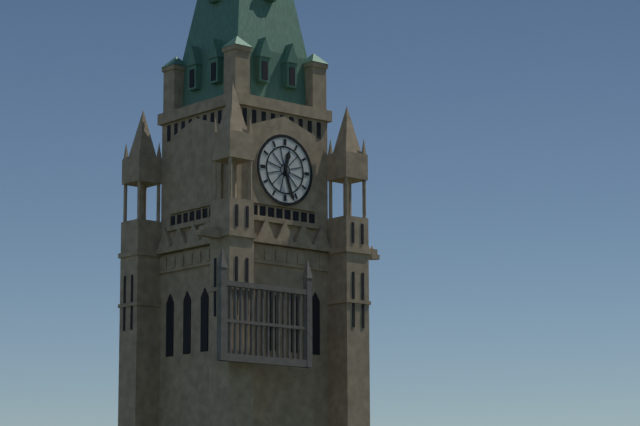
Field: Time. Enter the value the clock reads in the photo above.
12:27
